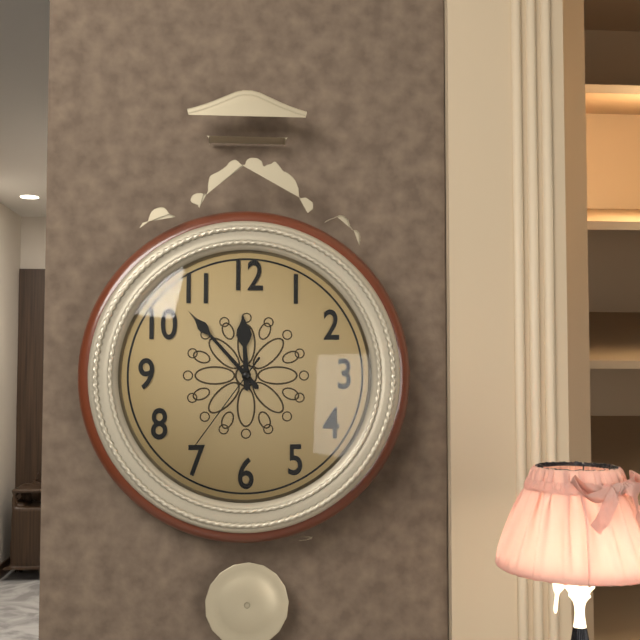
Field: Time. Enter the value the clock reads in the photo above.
11:53:36
